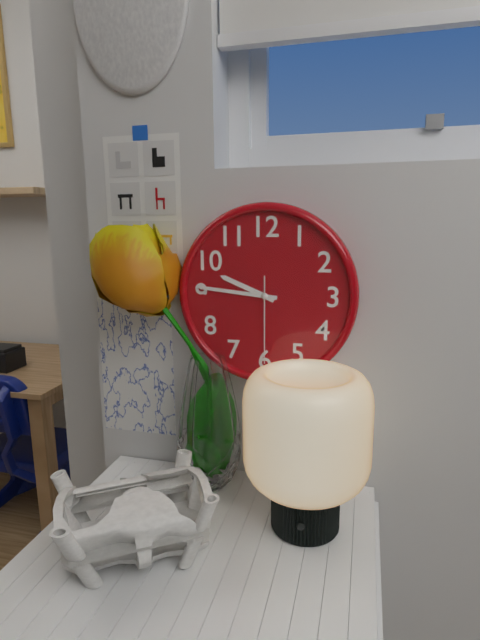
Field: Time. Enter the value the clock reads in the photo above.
9:46:30
